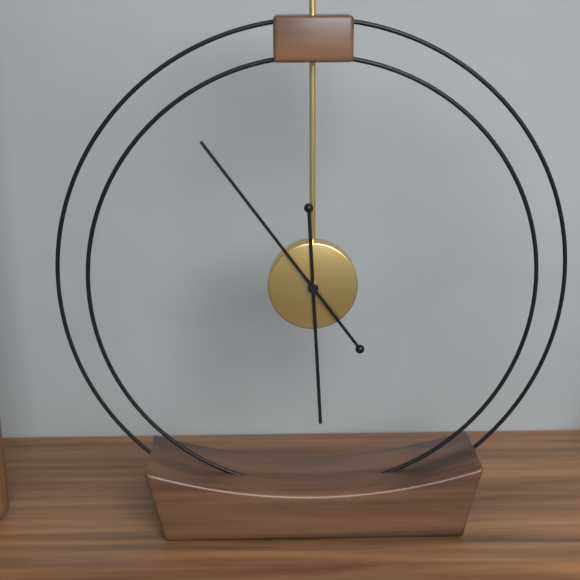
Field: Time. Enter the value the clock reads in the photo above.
5:54
